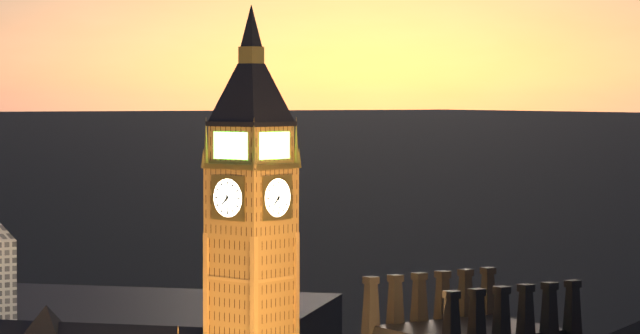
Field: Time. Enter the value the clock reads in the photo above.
7:29
